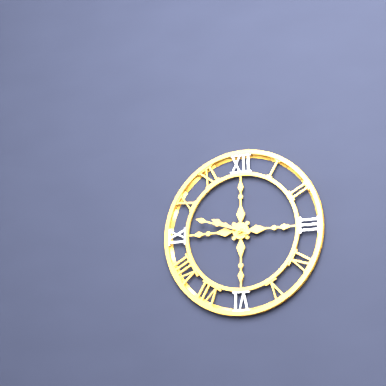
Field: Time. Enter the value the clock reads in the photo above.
9:48
